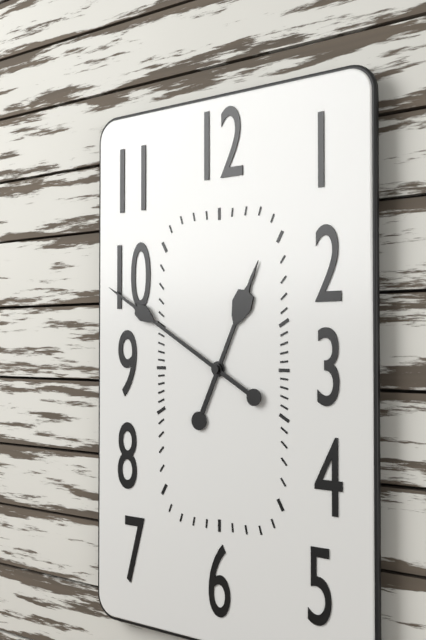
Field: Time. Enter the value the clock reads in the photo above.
12:50
